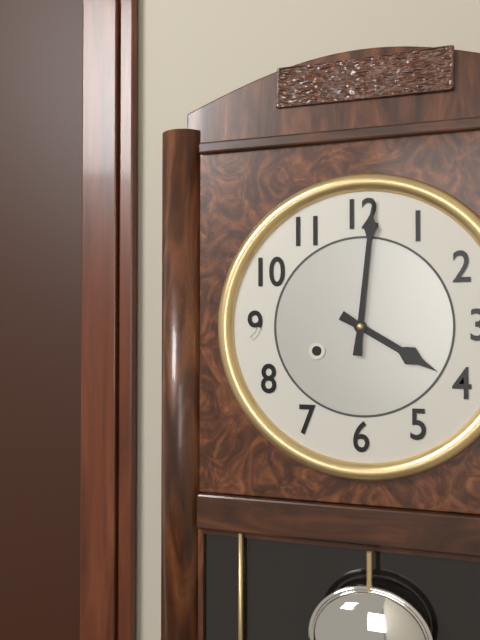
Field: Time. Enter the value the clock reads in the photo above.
4:01
